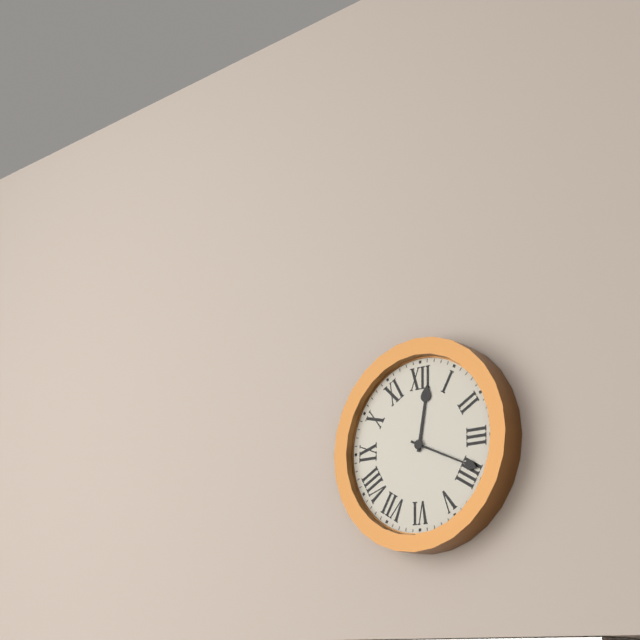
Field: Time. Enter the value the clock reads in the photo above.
12:19
